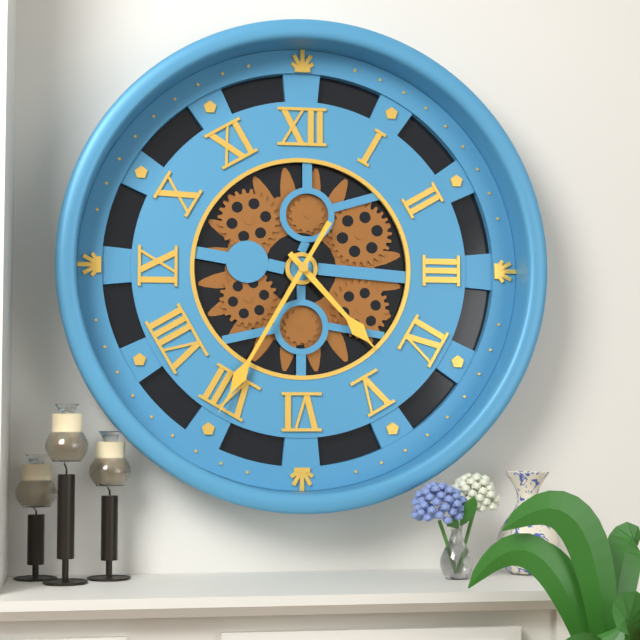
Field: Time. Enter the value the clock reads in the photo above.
4:35
